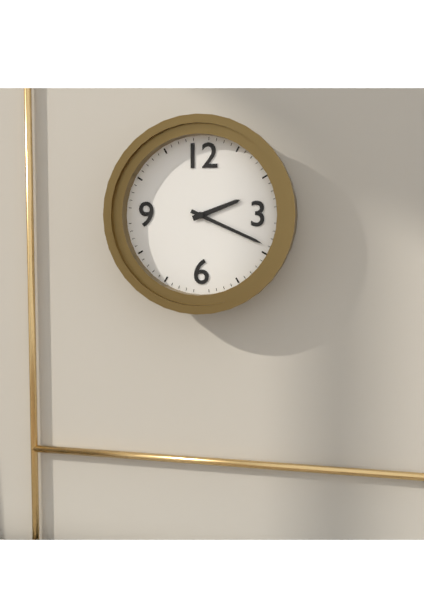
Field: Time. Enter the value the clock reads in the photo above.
2:19
